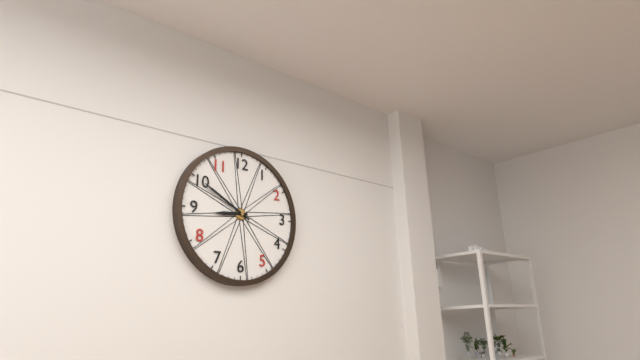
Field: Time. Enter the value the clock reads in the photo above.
8:50
